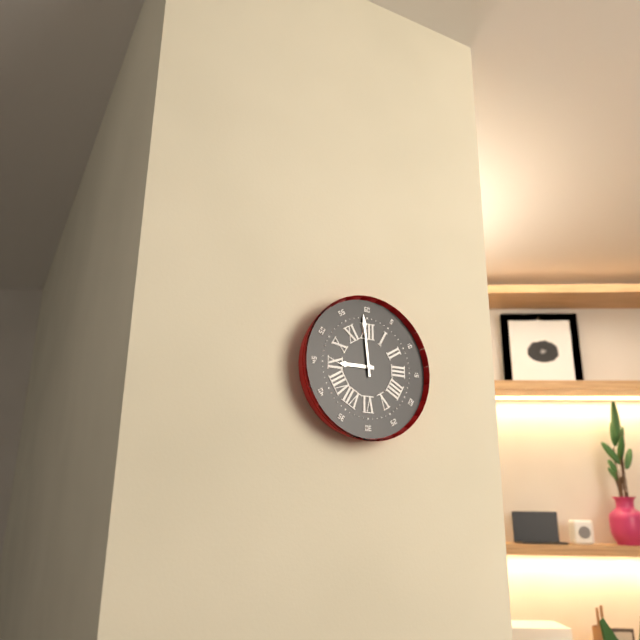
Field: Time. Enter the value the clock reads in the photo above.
8:59
